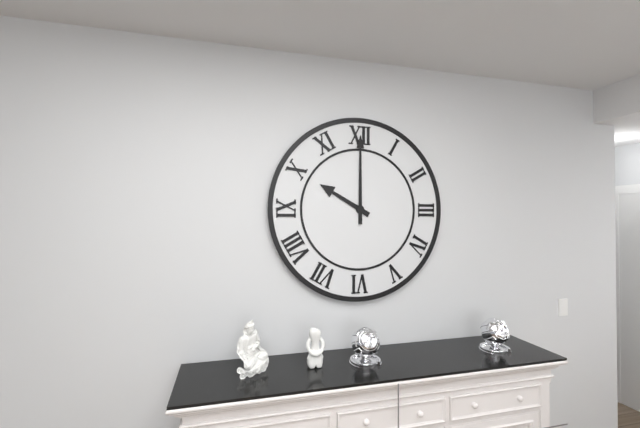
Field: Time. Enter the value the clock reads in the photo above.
10:00
